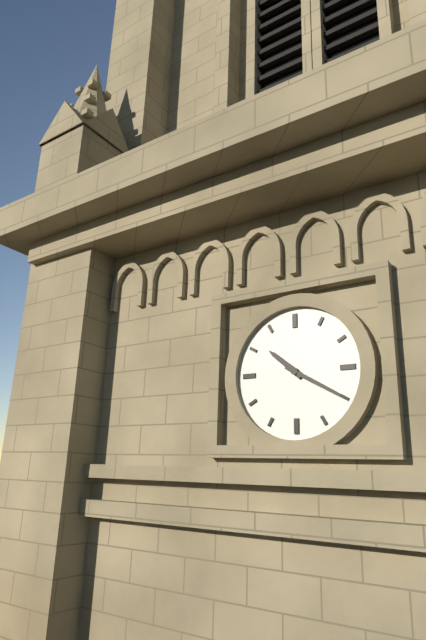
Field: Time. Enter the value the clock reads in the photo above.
10:20
